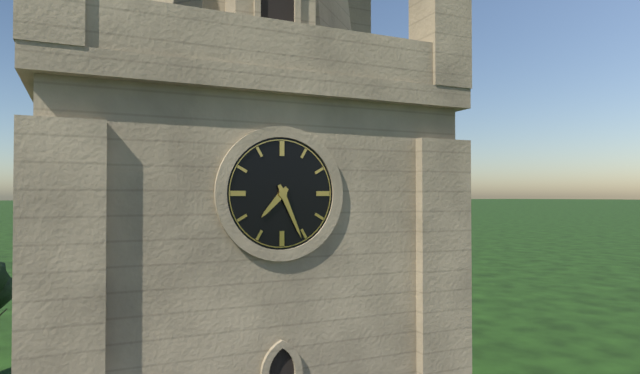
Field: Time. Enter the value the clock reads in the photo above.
7:26
